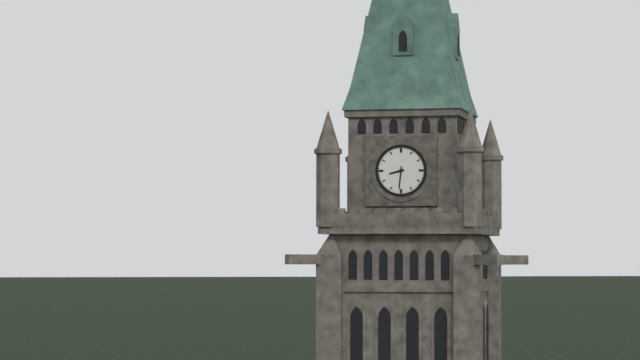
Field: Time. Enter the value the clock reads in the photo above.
8:31
